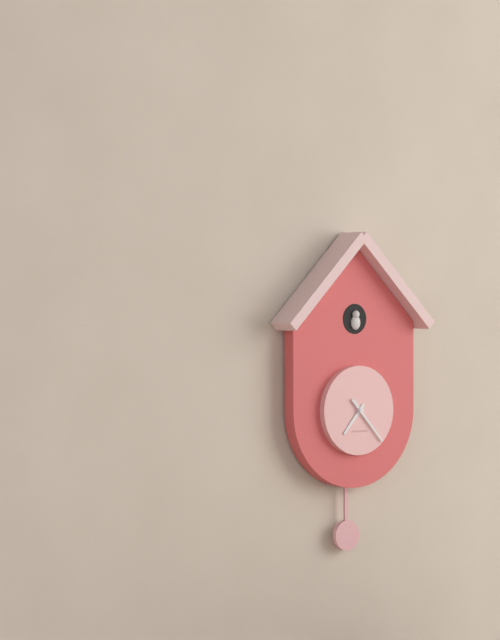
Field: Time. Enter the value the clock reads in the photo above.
7:23
